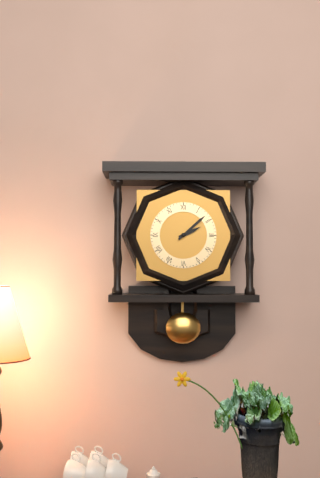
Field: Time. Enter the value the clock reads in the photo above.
2:08
